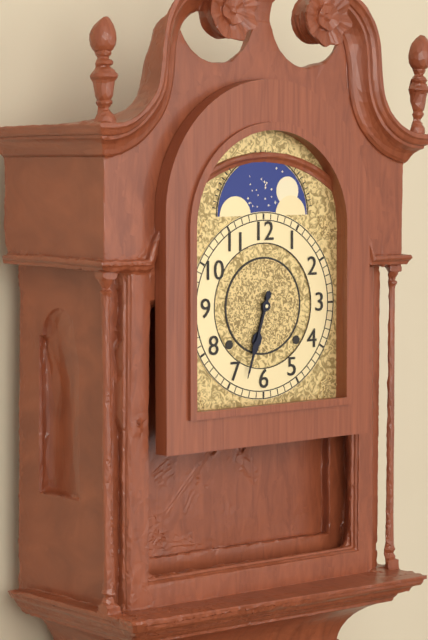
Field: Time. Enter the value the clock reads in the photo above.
6:33
